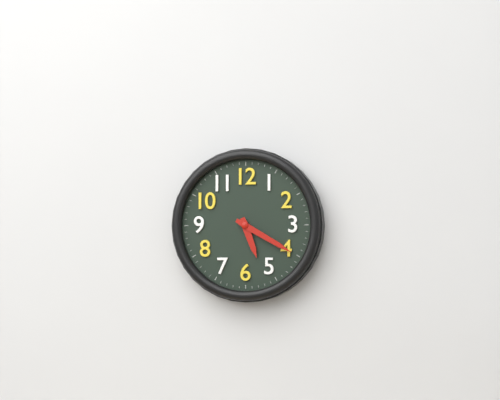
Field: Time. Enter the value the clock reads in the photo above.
5:20
